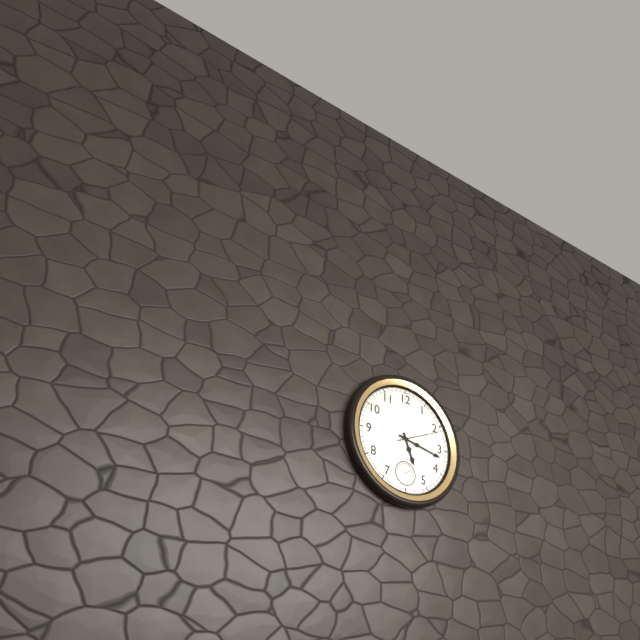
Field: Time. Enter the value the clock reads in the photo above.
5:17
